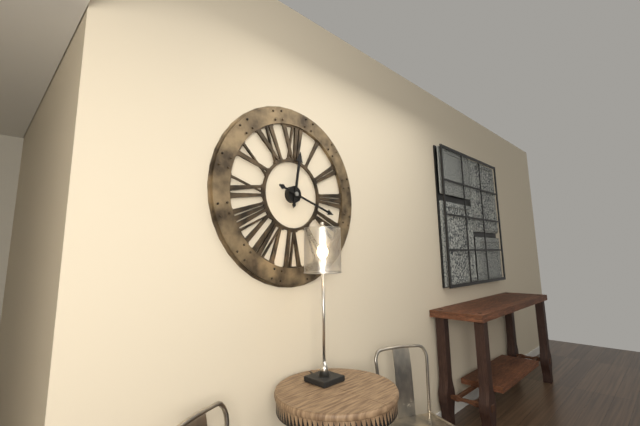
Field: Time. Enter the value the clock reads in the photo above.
12:18
